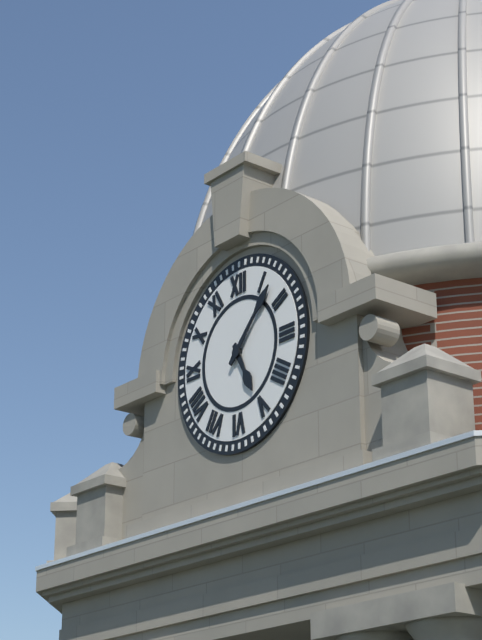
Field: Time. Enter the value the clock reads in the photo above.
5:07
